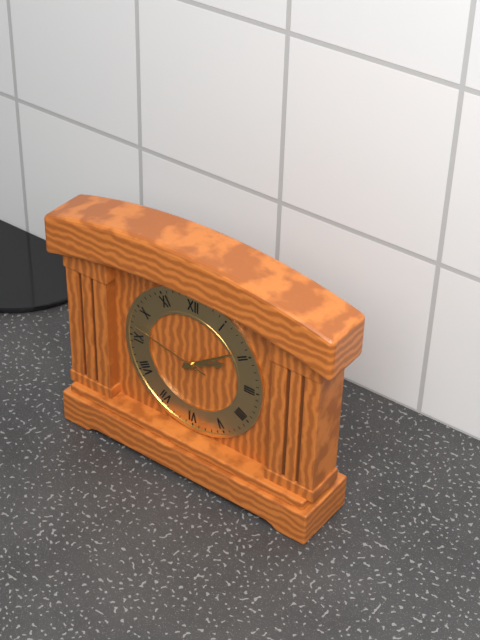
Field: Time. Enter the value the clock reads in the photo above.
2:09:47
